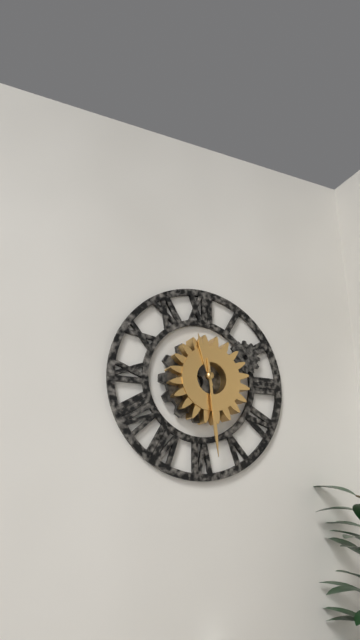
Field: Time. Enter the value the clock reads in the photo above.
11:29
